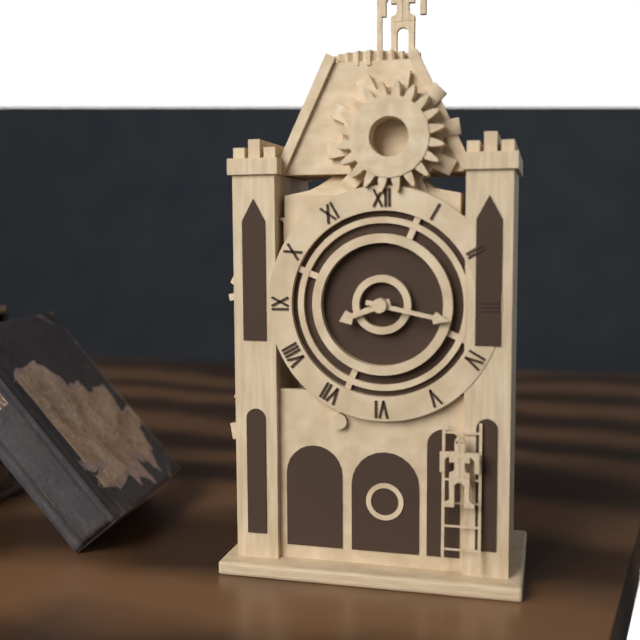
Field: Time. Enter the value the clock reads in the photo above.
8:17
